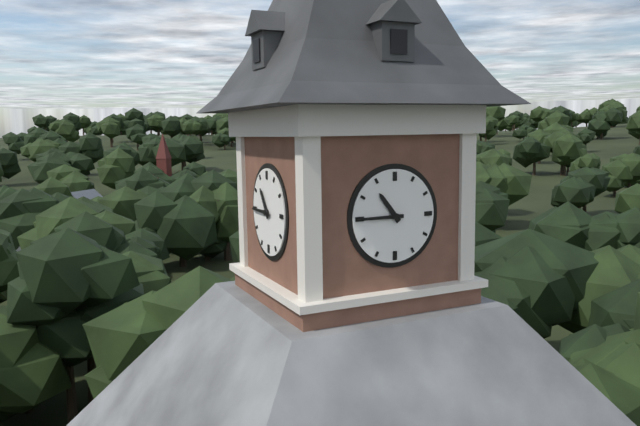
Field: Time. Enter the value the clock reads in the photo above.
10:45
